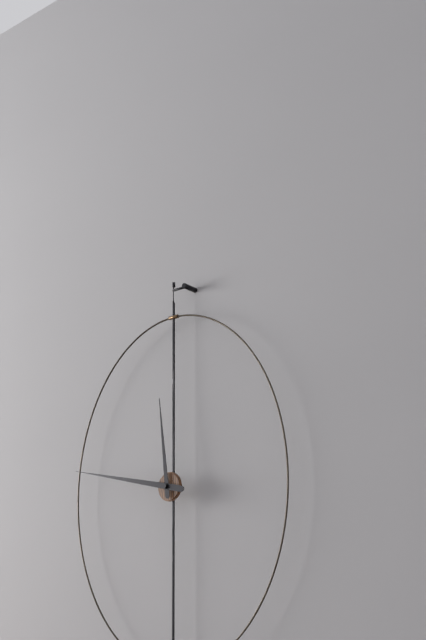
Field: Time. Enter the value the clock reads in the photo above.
11:47
